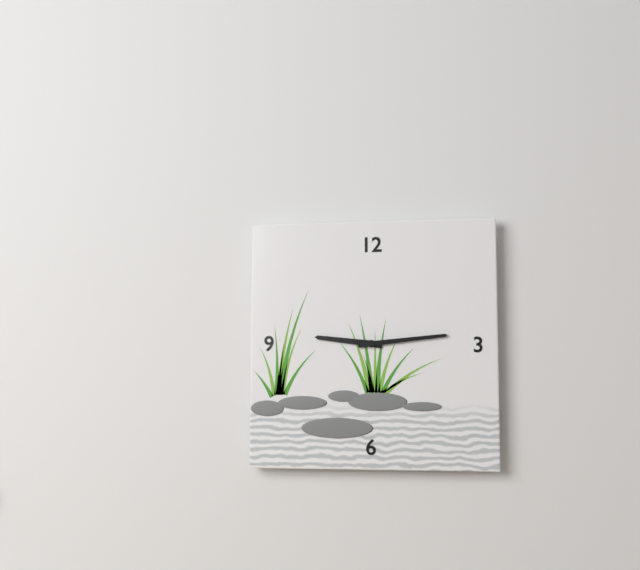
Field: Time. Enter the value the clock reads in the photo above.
9:14
